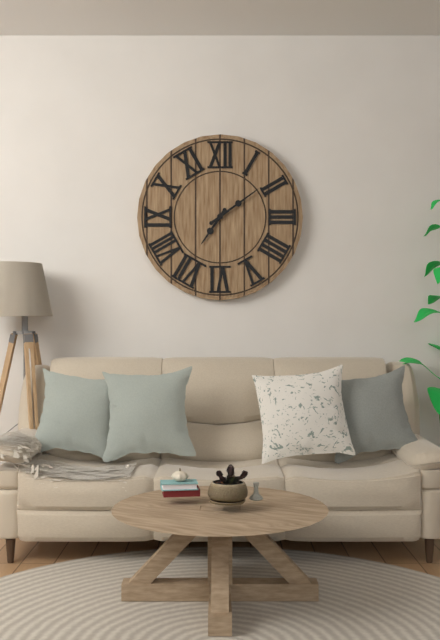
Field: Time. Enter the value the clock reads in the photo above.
7:09
